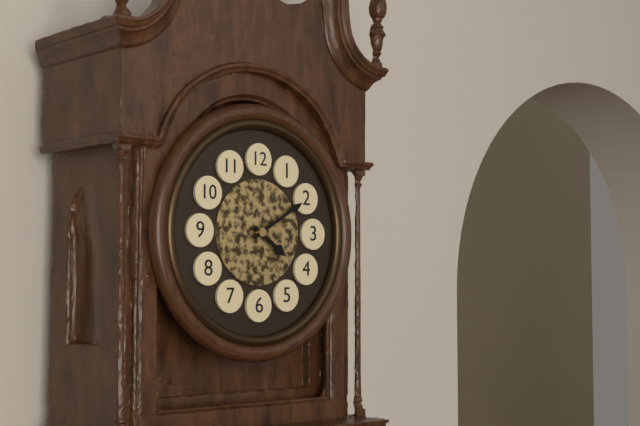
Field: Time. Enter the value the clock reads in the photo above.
4:10
